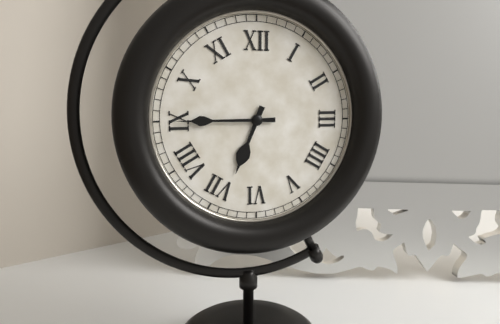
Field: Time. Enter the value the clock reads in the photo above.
6:45
